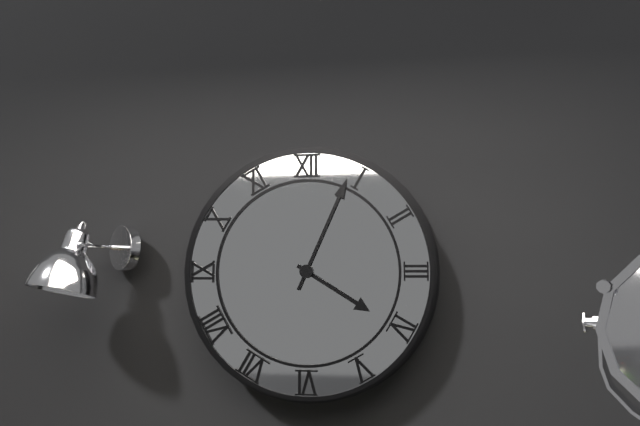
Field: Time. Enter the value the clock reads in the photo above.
4:04
